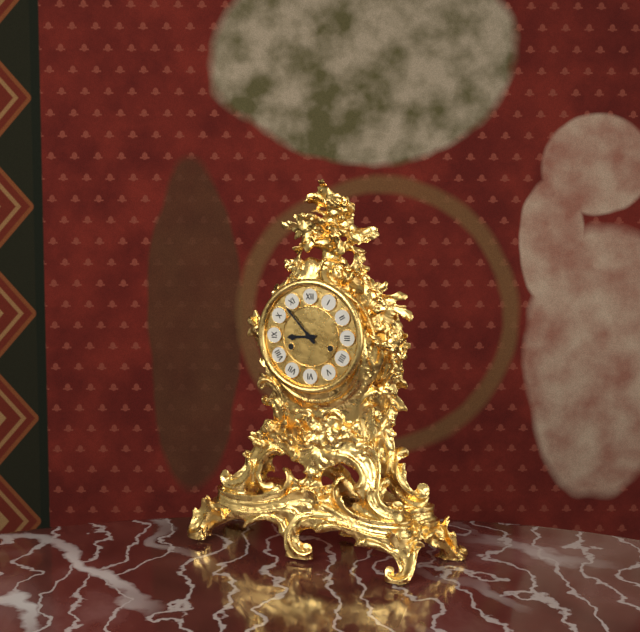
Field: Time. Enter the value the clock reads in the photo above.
8:53
